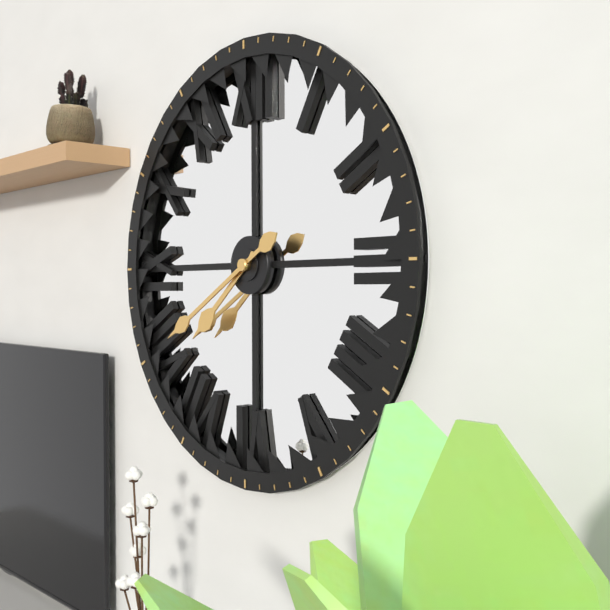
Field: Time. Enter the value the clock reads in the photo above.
7:40
